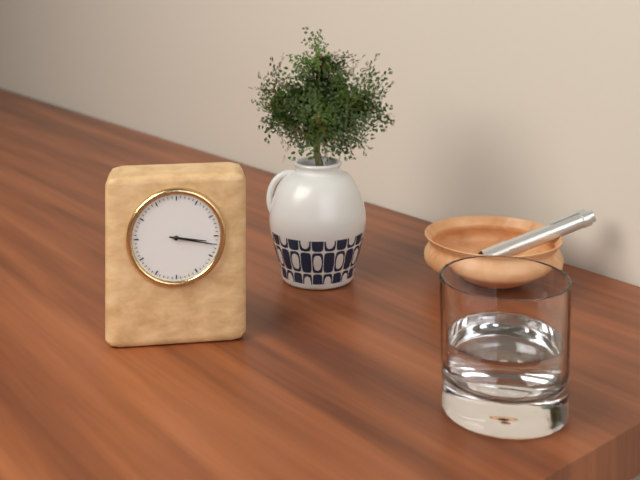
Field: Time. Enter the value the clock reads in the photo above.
3:17
